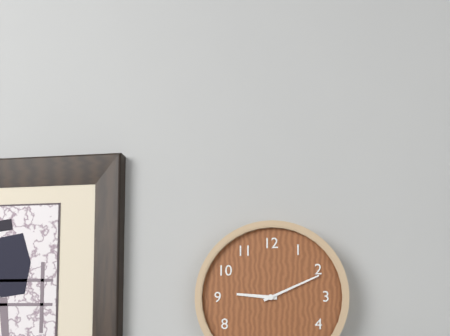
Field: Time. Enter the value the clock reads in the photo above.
9:11
